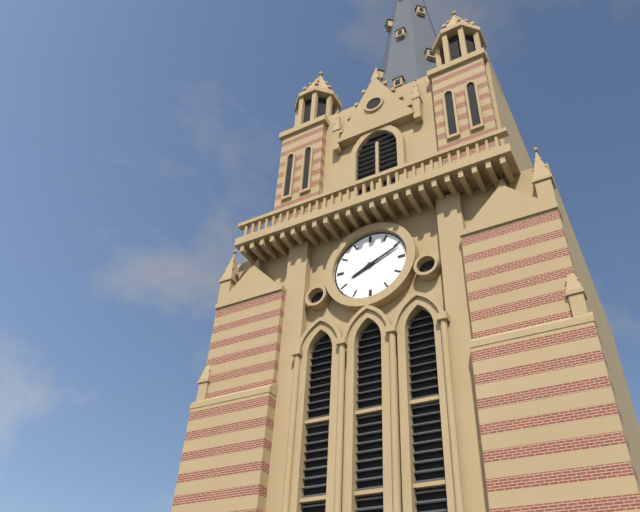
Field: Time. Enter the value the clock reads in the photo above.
8:11
